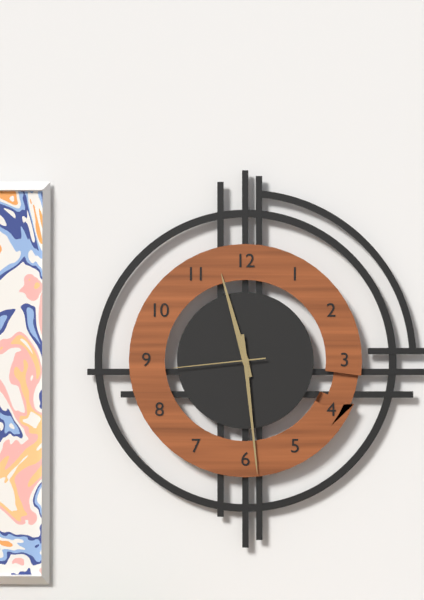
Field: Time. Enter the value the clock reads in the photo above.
11:29:44
